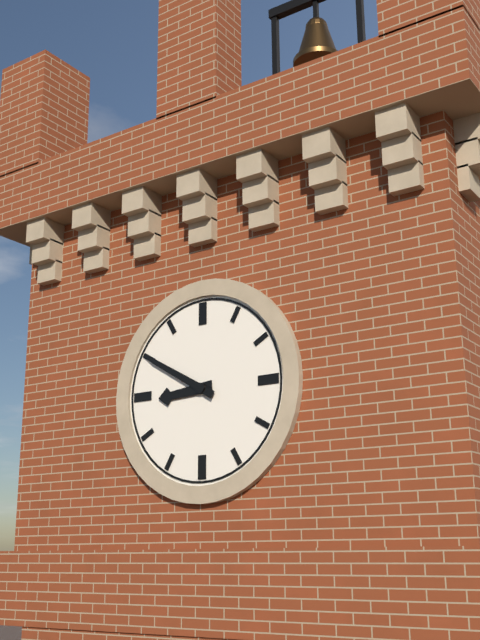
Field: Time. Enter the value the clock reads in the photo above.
8:50
